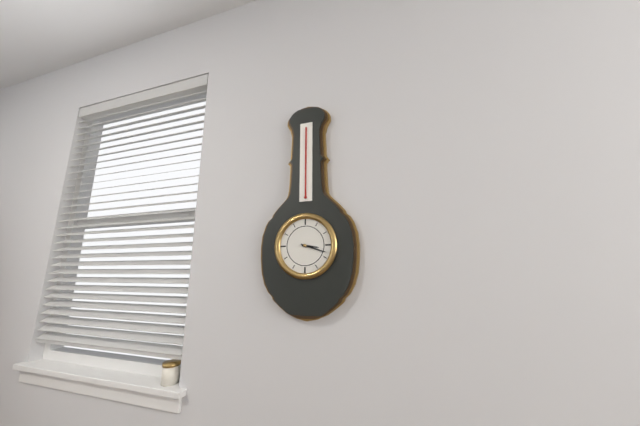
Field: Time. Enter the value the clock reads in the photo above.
3:18
